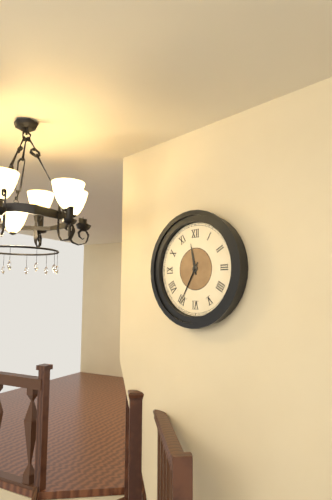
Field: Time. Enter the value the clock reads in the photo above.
11:35
